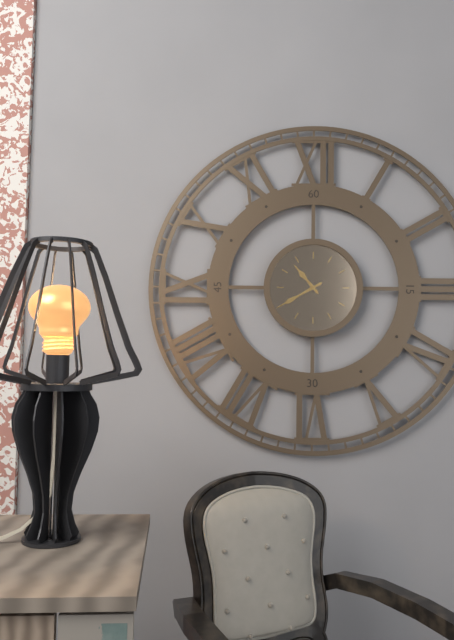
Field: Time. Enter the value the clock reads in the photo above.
10:40
